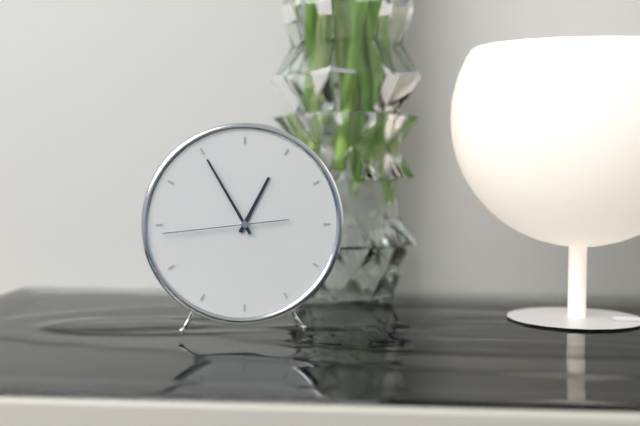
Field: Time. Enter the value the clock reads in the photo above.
12:55:44
